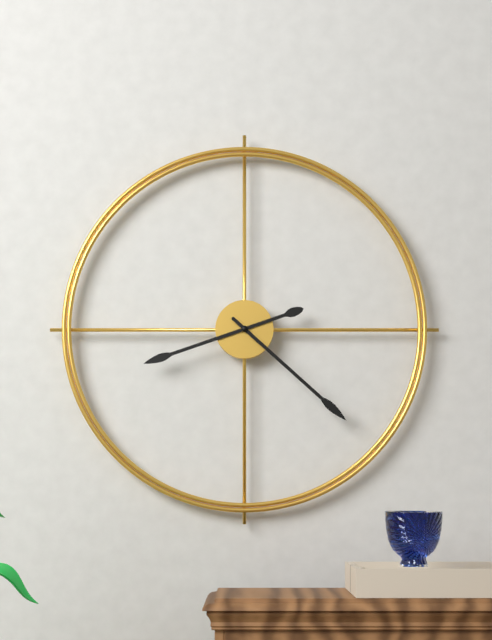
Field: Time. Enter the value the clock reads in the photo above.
8:22
